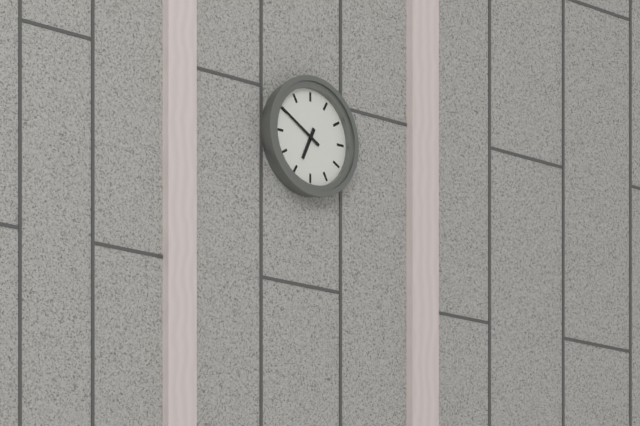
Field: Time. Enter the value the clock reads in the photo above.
6:50
